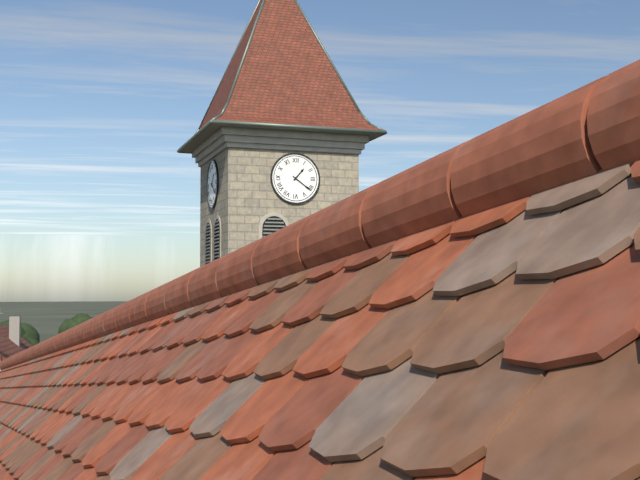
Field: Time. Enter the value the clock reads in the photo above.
1:21
